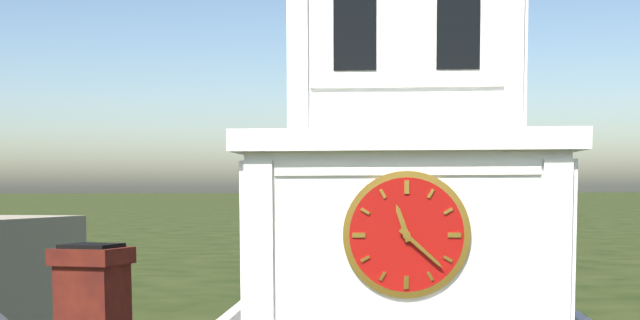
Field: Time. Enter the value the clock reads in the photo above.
11:22
